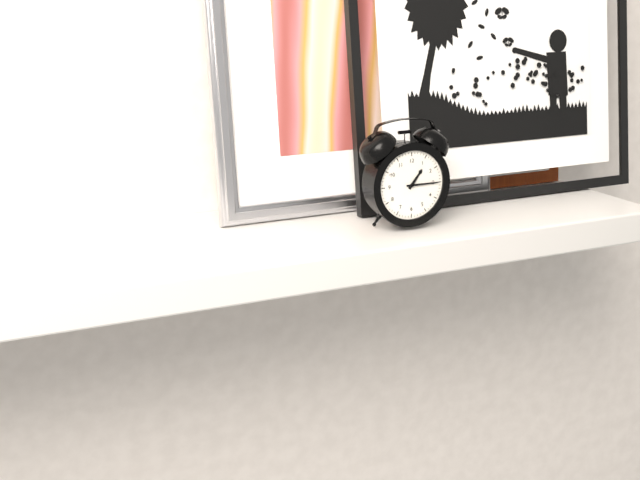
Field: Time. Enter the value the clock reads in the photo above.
1:15
